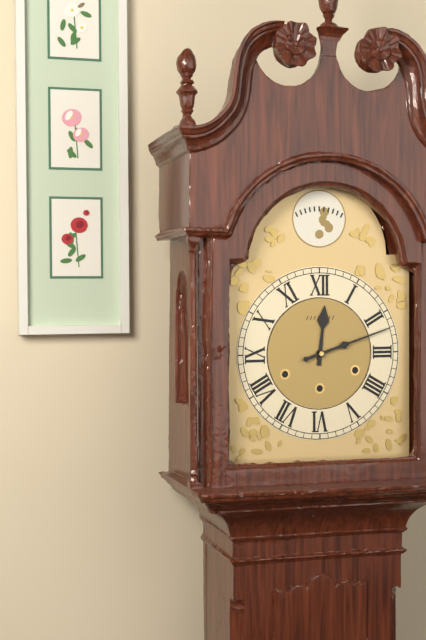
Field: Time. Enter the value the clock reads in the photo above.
12:12
